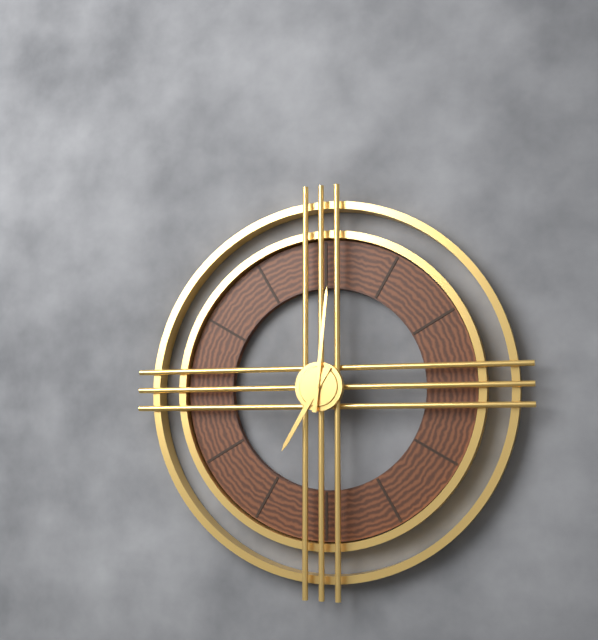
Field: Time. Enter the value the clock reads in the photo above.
7:01
